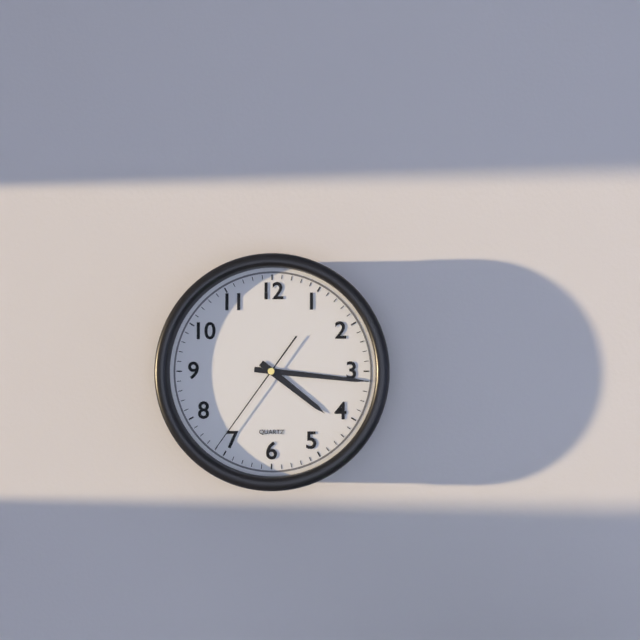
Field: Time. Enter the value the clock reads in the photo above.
4:16:36
